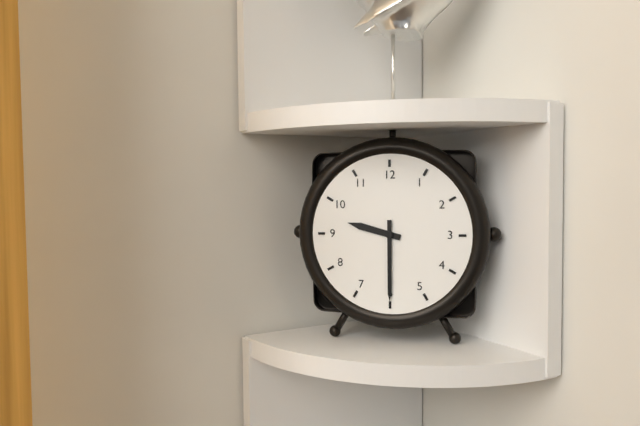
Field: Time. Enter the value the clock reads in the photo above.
9:30
